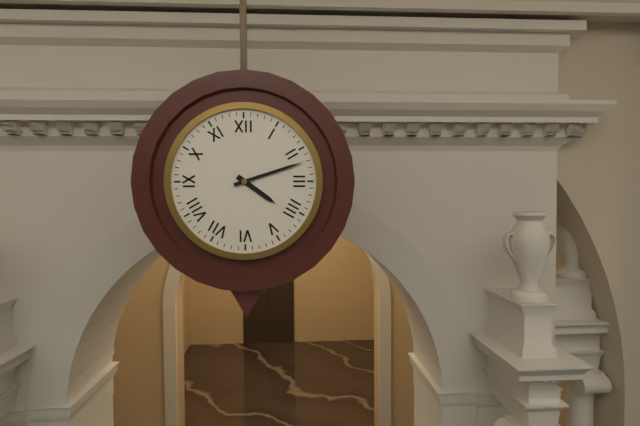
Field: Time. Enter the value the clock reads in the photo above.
4:12
